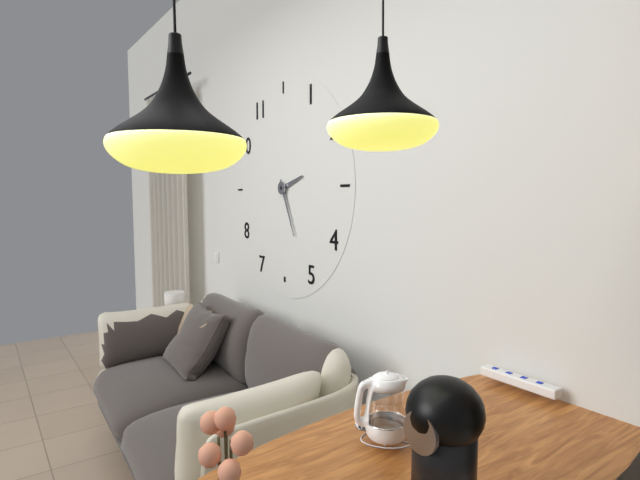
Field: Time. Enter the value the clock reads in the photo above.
2:26
